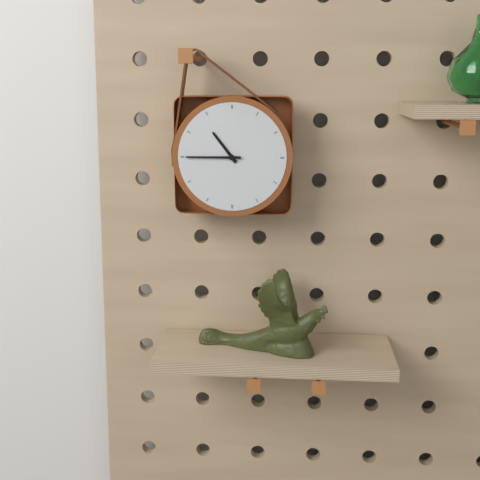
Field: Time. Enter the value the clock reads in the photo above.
10:45
